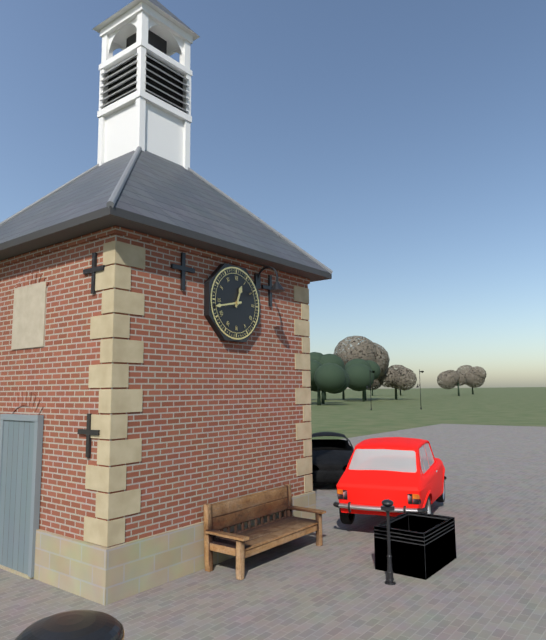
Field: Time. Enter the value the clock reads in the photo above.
12:43
